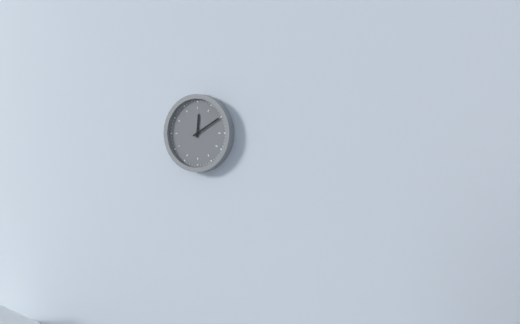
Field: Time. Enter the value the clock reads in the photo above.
12:10
